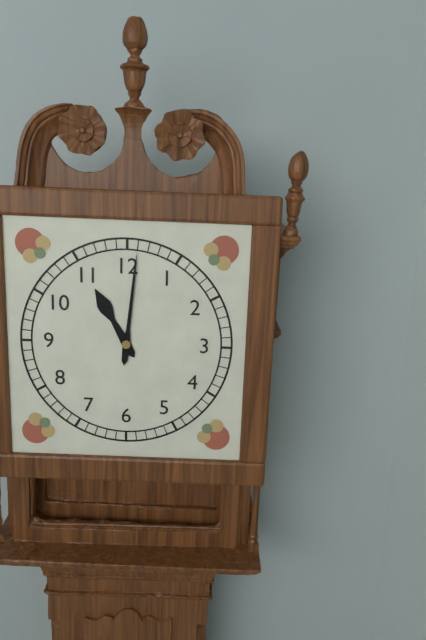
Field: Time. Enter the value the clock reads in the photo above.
11:01
